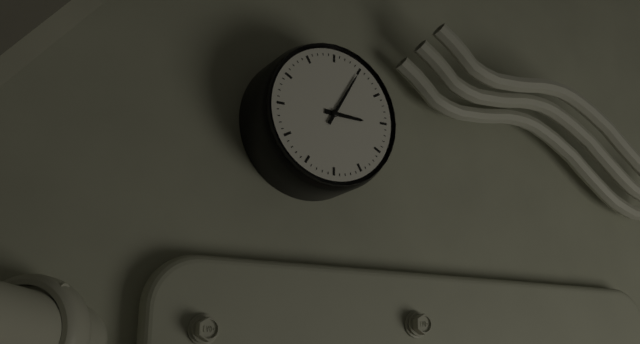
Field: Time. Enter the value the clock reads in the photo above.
3:05
